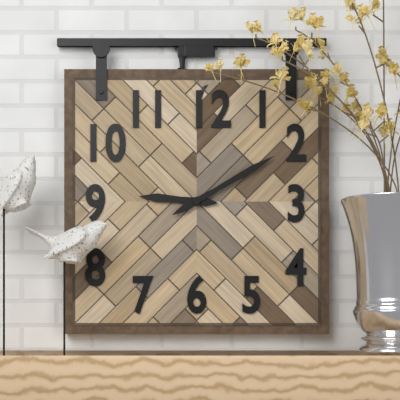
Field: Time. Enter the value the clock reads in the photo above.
9:10
